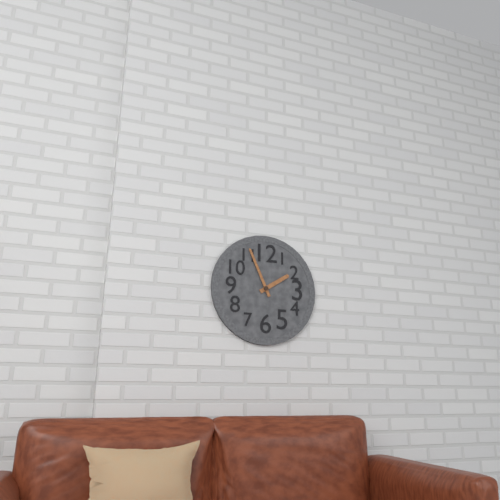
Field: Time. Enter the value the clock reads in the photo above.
1:56
